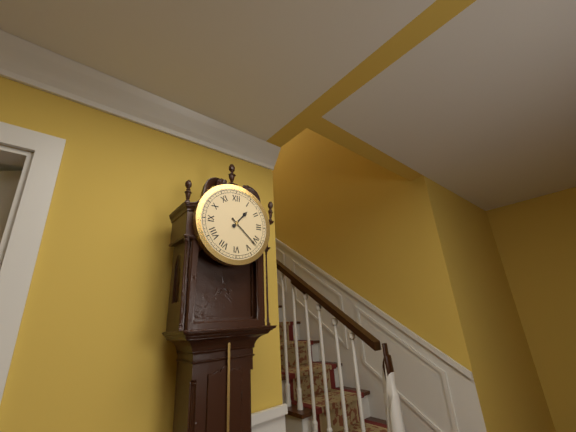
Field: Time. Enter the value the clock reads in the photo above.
1:22
